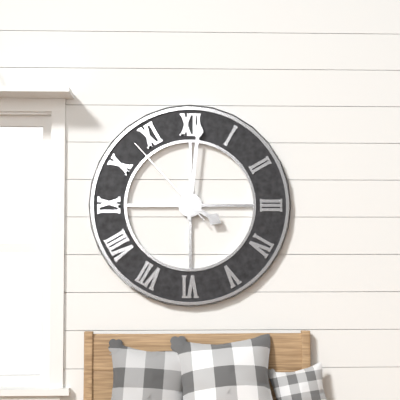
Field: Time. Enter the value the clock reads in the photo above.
4:01:53
